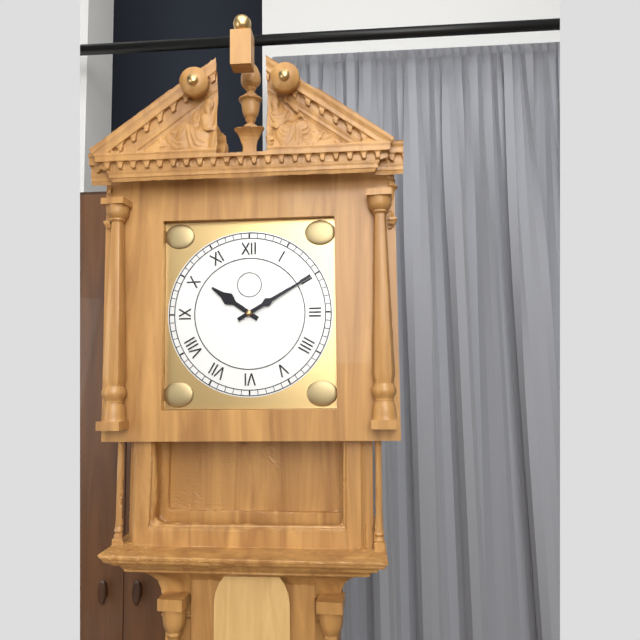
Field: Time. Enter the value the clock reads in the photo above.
10:10
